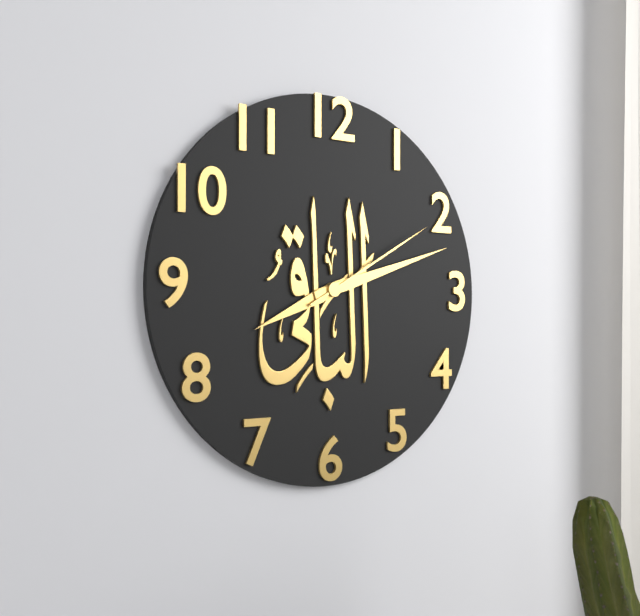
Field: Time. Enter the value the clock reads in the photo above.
8:12:10
